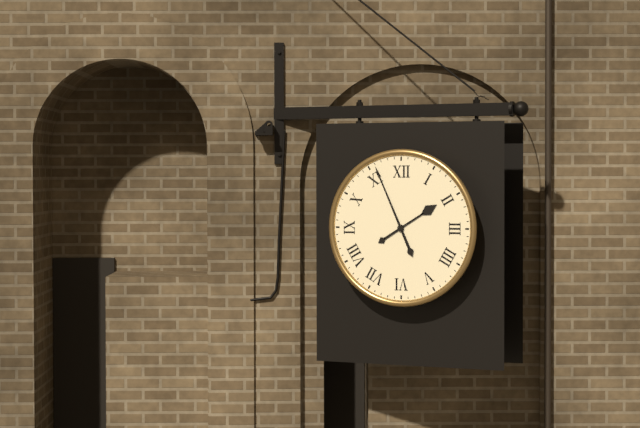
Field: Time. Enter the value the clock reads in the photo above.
1:56
